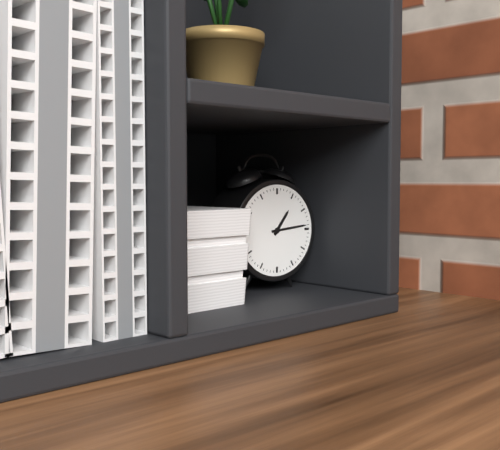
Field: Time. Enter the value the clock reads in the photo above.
1:14
